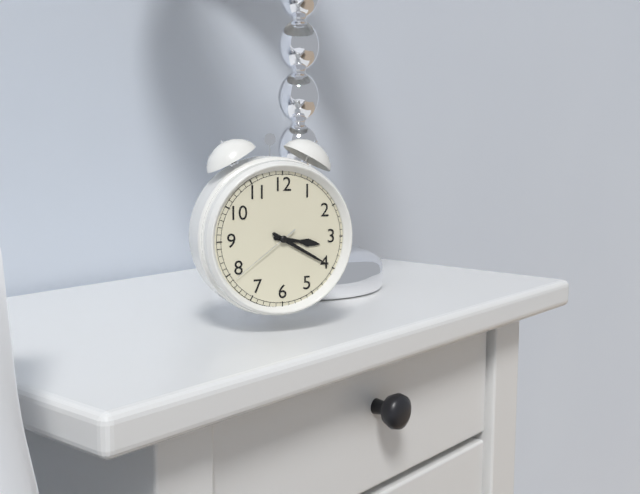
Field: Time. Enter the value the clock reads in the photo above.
3:20:39
